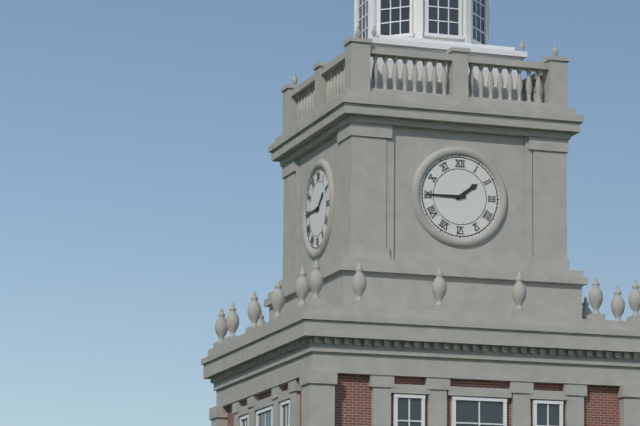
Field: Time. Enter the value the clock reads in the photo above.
1:45
